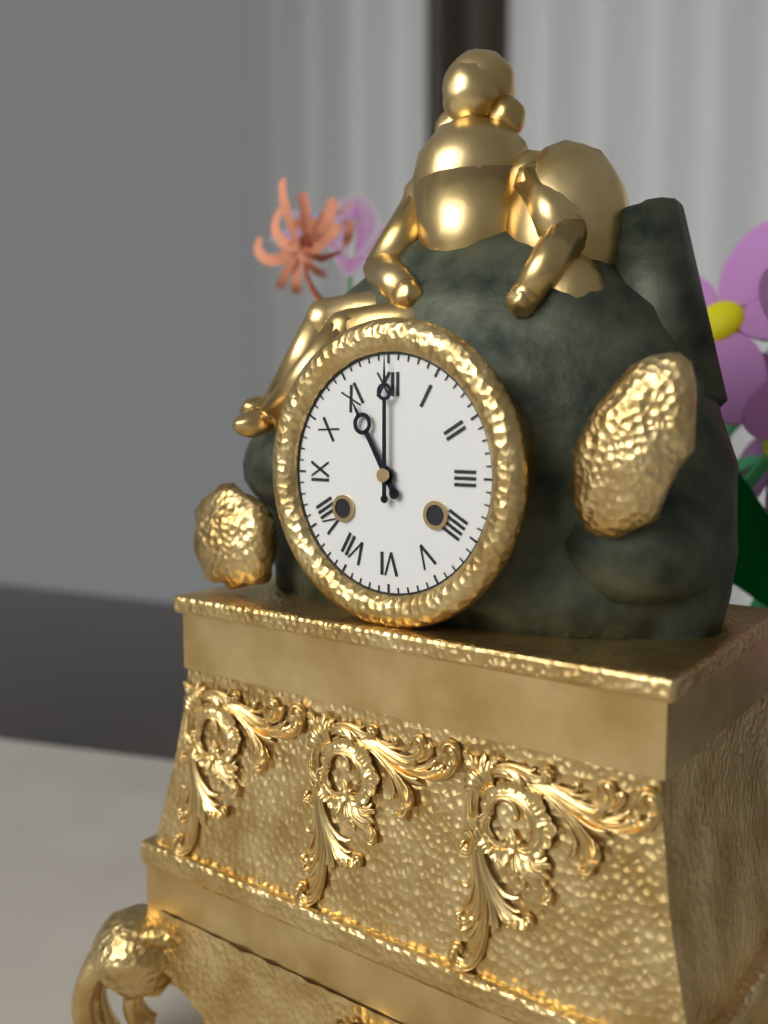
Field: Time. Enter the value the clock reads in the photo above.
11:00
